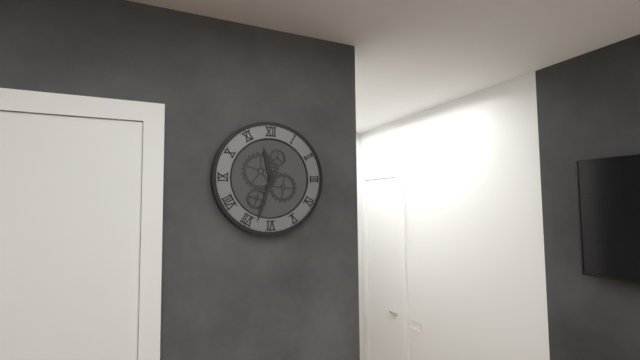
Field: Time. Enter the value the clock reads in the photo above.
11:33
